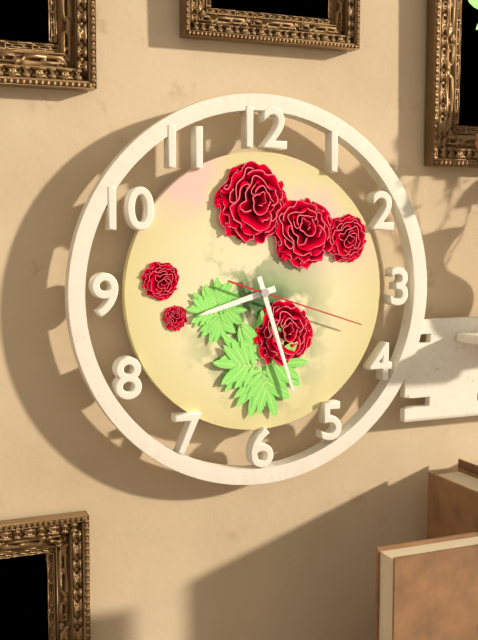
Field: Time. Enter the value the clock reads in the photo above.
8:27:18
